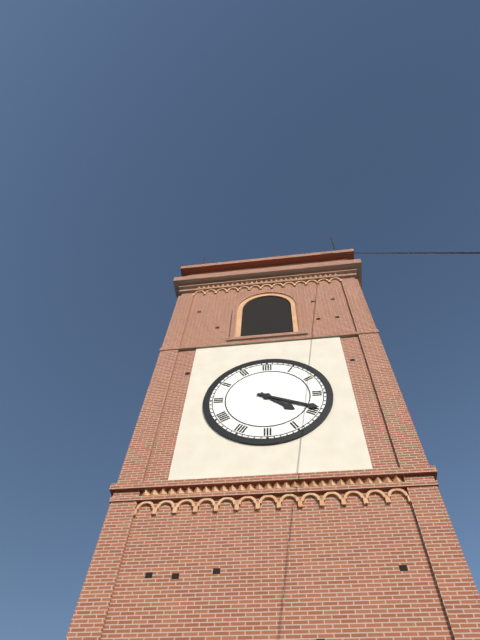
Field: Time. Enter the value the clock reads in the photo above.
4:19
